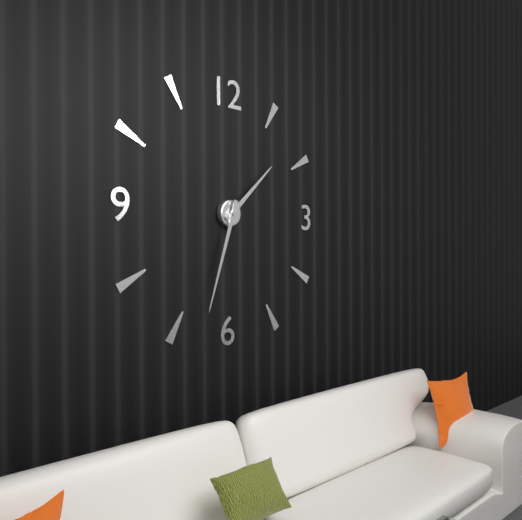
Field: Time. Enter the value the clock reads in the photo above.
1:33
